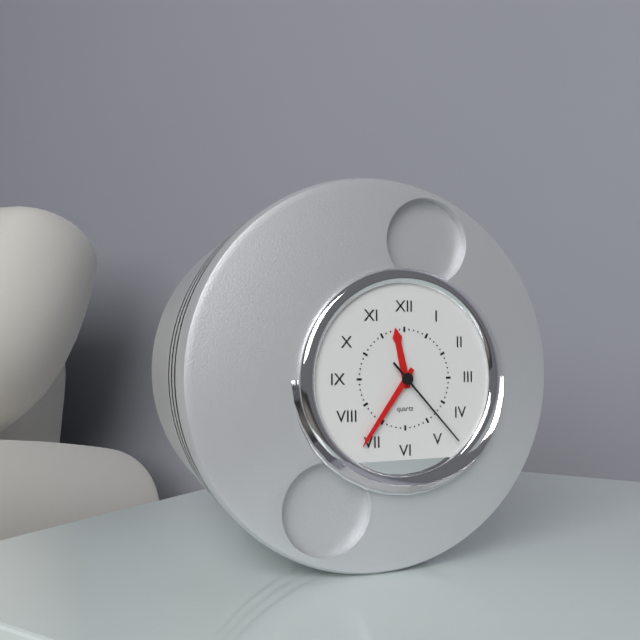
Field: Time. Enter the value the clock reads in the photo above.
11:36:23
